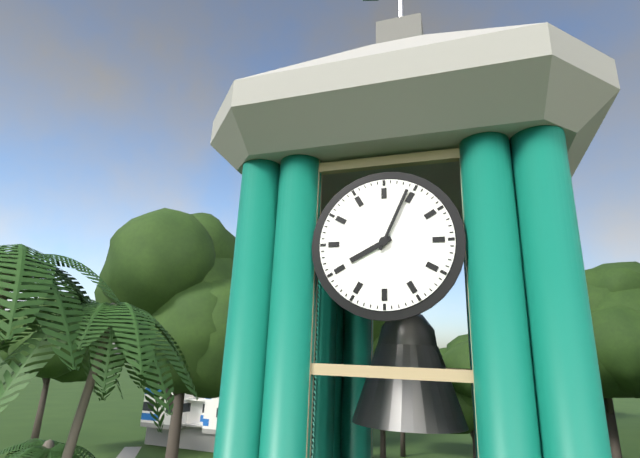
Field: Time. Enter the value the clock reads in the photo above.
8:04
